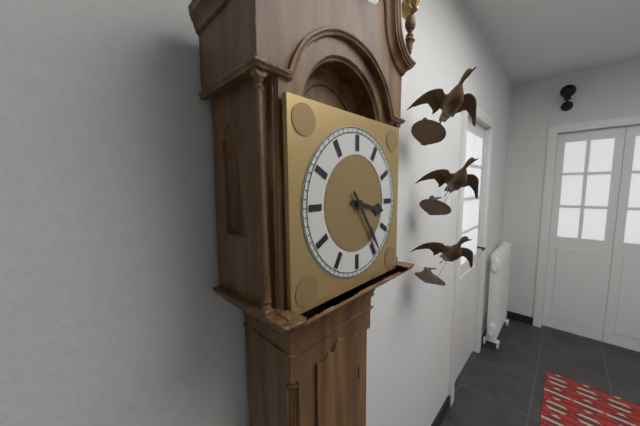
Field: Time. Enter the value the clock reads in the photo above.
3:24
